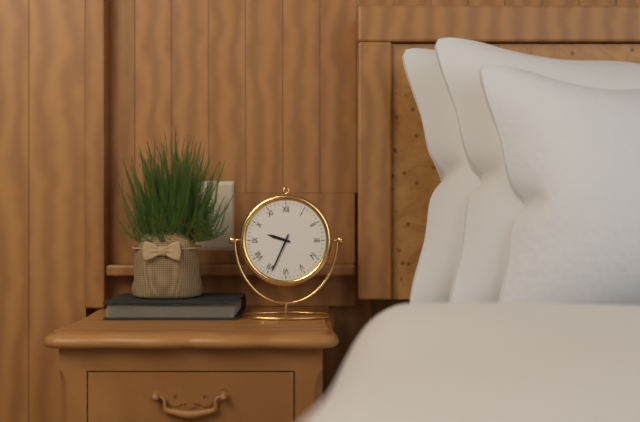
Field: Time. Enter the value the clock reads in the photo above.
9:34
